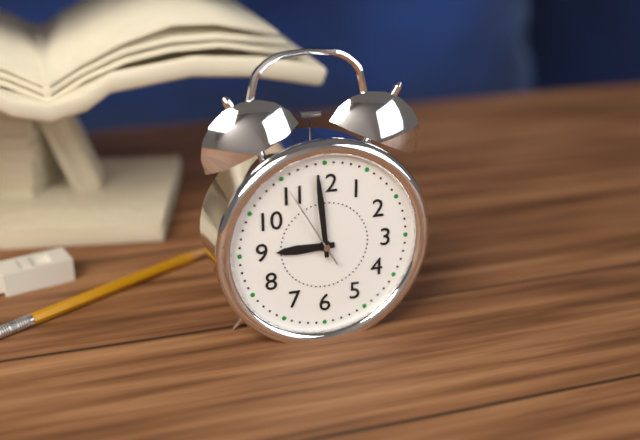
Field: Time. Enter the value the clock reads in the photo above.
8:59:55
